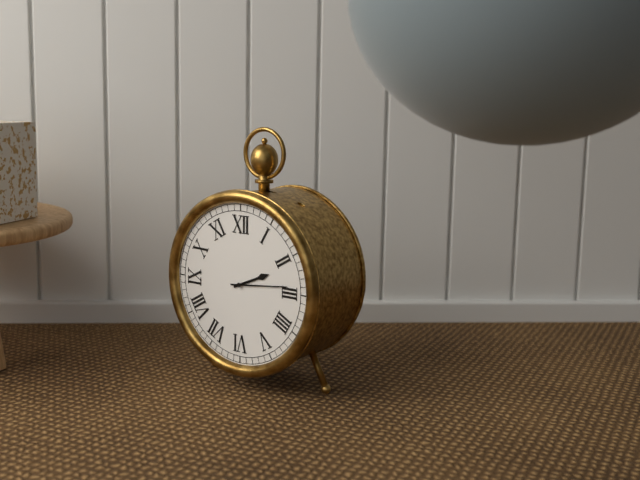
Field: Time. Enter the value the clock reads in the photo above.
2:14
